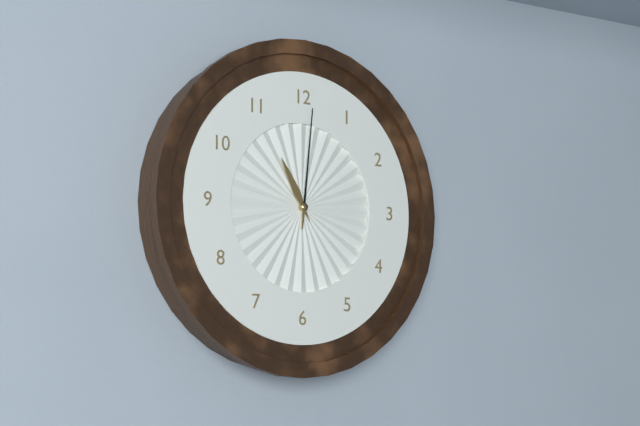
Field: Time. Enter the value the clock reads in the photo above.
11:01
